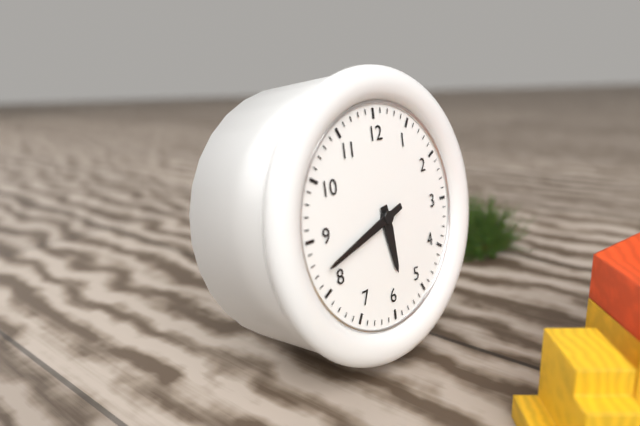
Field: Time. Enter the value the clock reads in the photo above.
5:42
